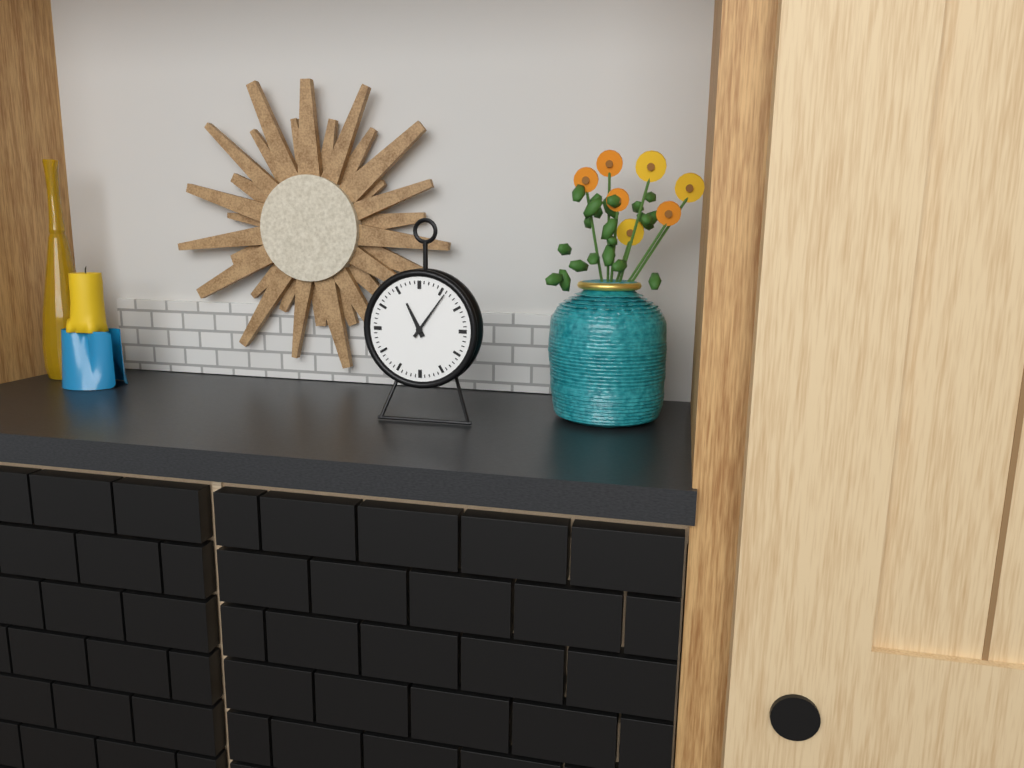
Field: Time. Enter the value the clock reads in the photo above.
11:06
